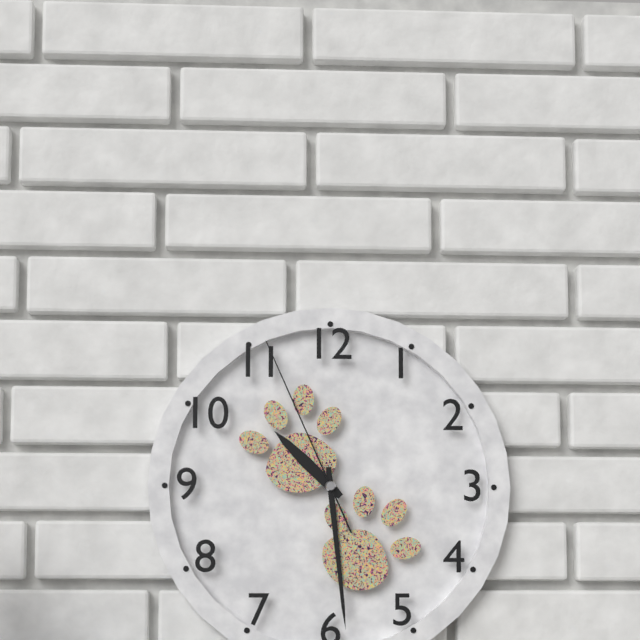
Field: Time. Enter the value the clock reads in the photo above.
10:29:56
